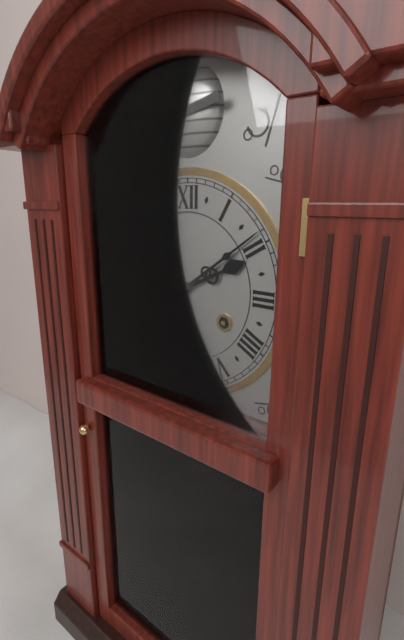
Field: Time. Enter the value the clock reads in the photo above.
2:09
